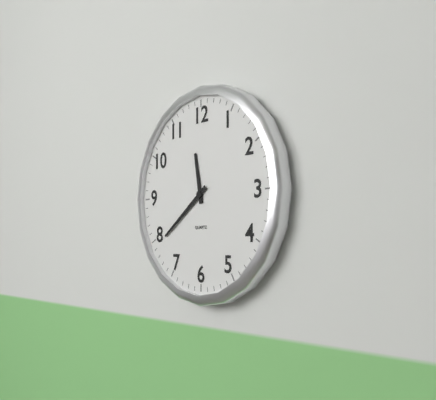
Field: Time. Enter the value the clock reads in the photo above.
11:39
